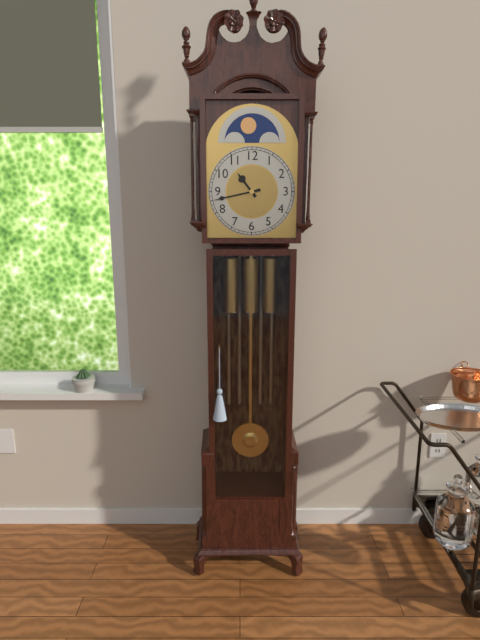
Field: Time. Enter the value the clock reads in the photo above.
10:43
